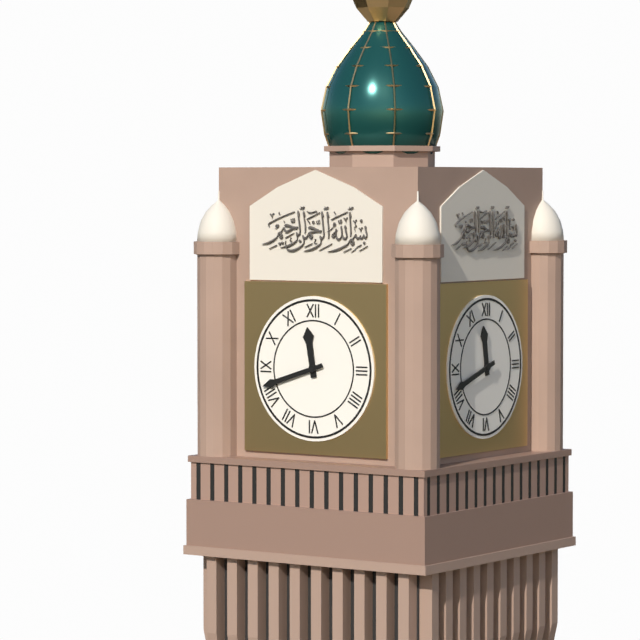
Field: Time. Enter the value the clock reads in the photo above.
11:42
